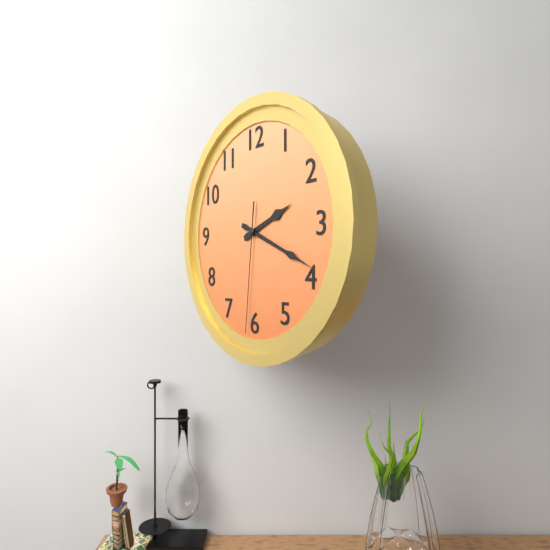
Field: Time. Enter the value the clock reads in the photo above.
2:19:31
